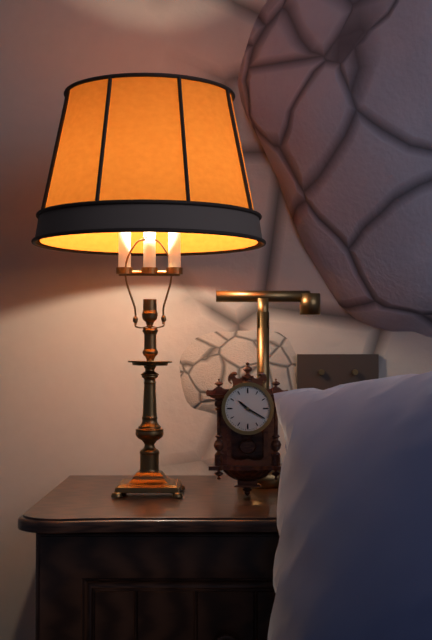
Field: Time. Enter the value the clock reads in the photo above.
10:20
